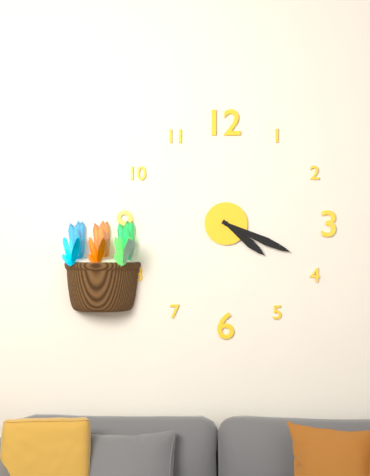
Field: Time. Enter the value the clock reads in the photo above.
4:19
